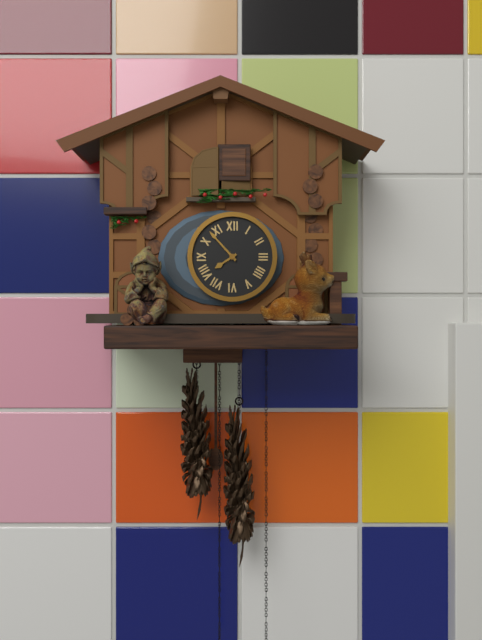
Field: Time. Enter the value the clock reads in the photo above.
7:53
